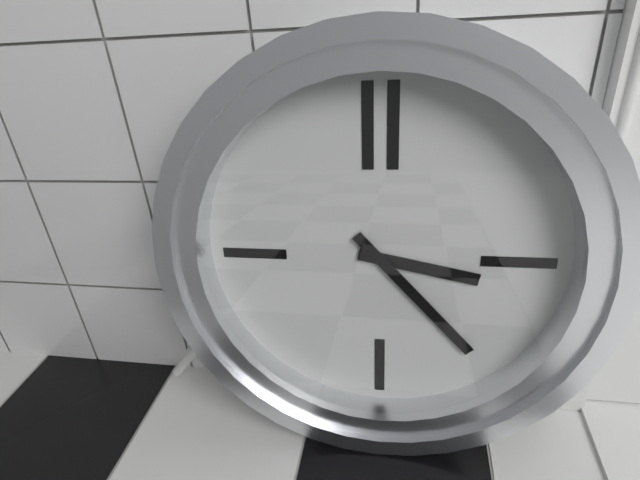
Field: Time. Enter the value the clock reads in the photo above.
3:23
